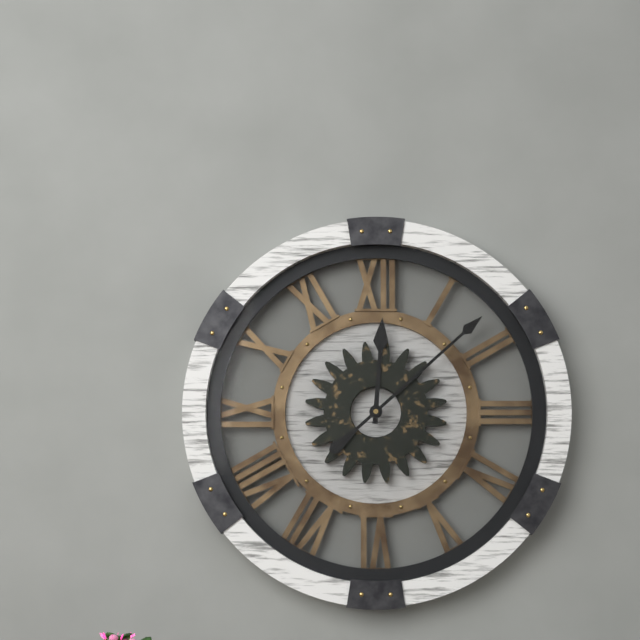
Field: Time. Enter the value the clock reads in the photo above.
12:08
